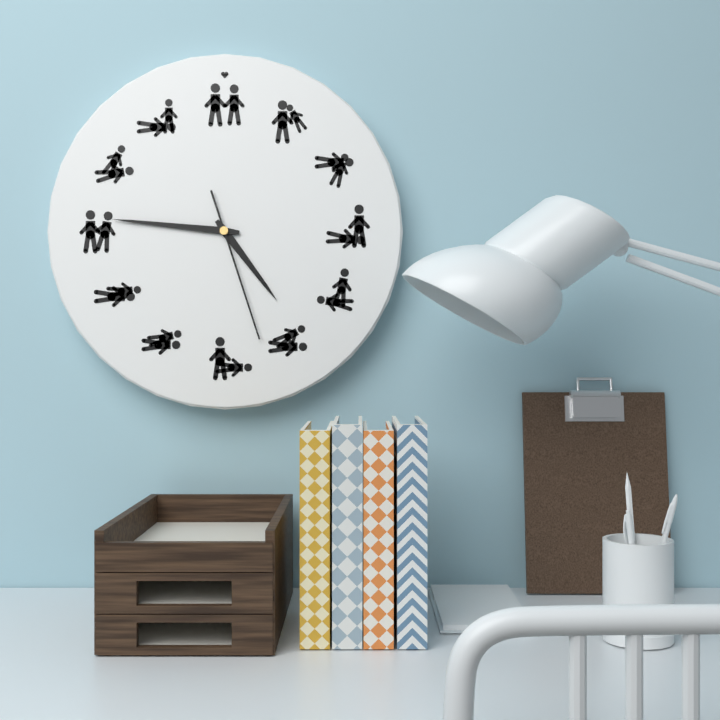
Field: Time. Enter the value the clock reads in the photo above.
4:46:27
